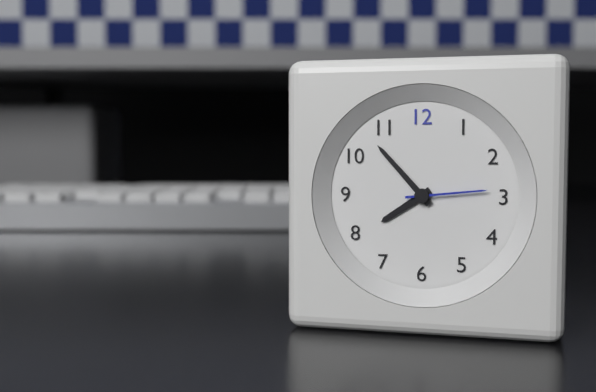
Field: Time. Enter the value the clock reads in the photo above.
7:53:14
